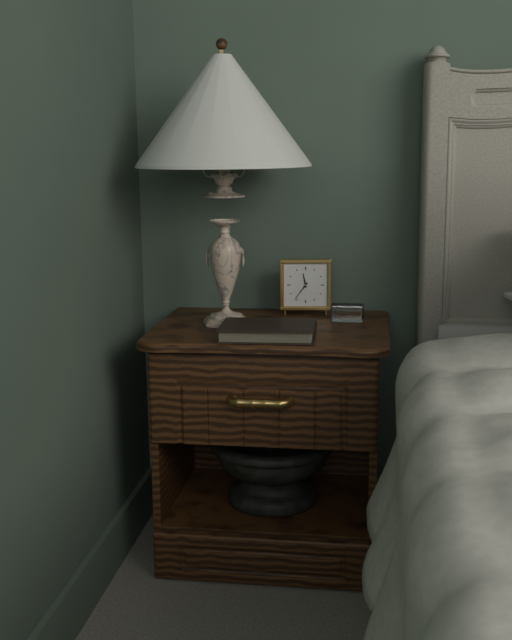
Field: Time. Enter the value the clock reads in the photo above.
11:36
